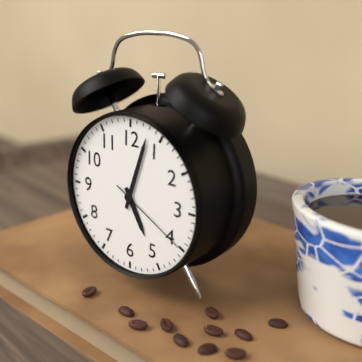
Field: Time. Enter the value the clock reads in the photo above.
5:03:20
